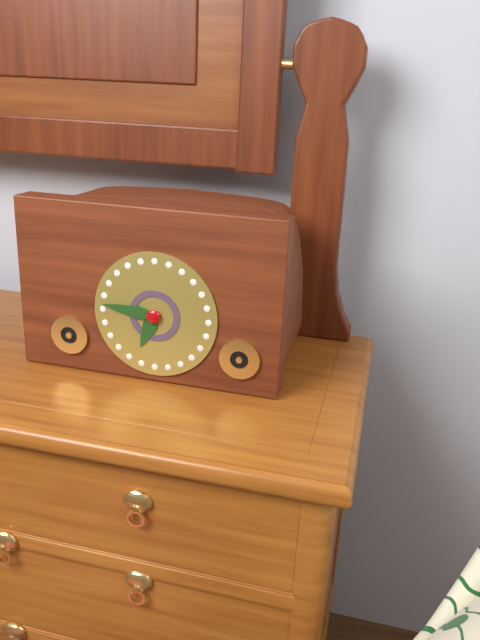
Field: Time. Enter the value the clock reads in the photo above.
6:46
